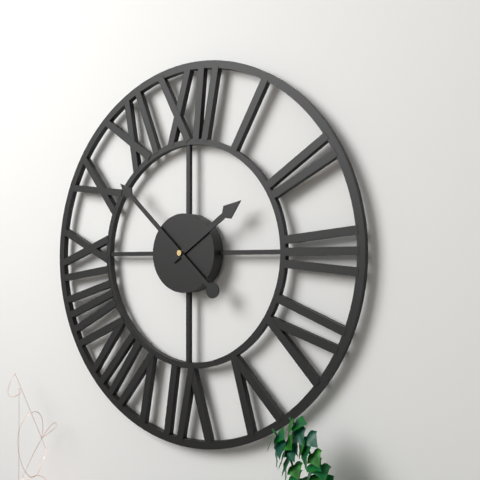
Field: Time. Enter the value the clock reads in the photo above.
1:52
